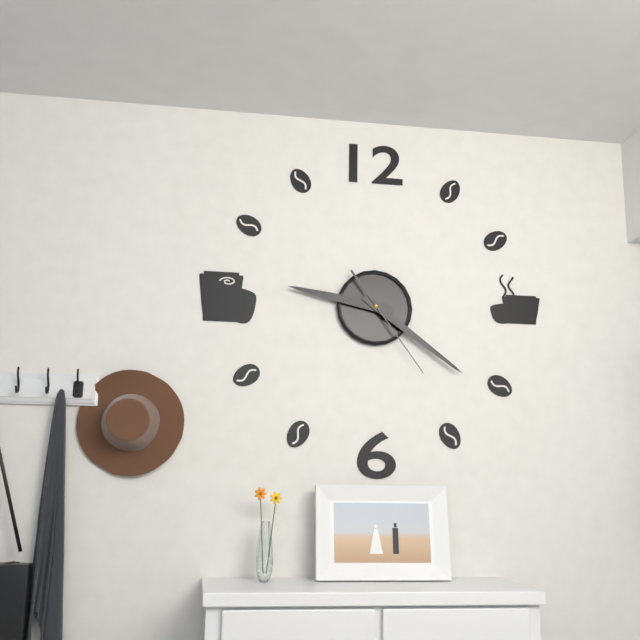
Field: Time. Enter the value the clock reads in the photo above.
9:21:24
